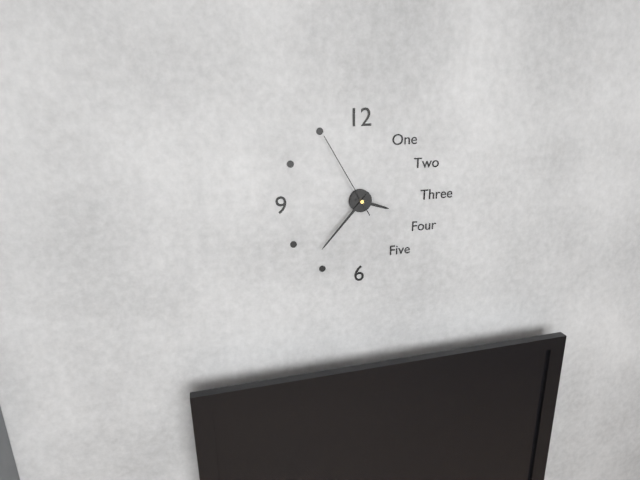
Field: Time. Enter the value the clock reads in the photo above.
3:37:55
